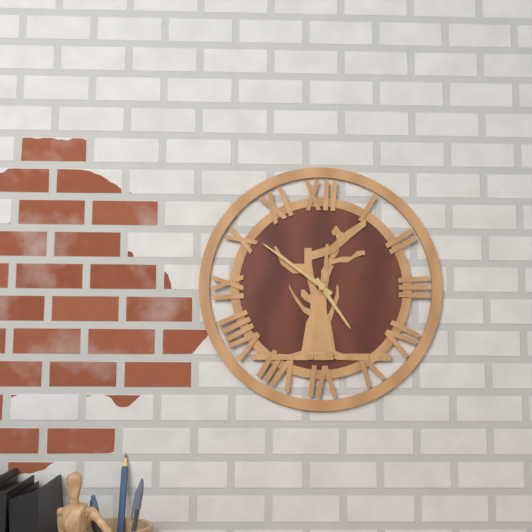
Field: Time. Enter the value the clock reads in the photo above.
4:51
